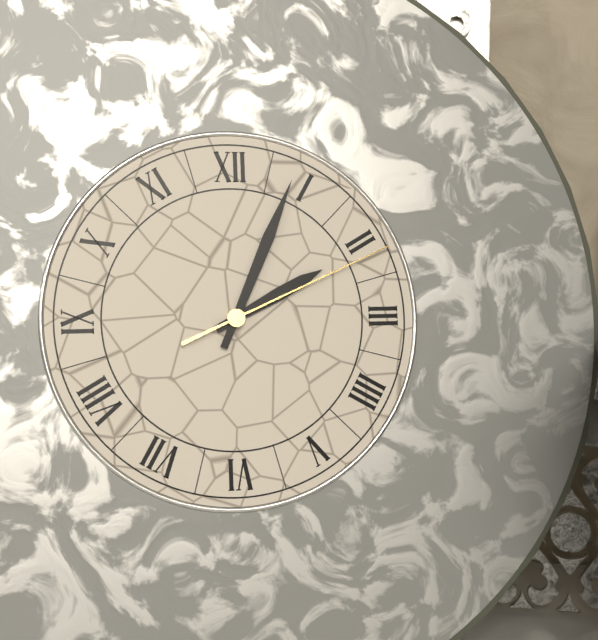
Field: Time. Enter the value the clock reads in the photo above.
2:04:11
